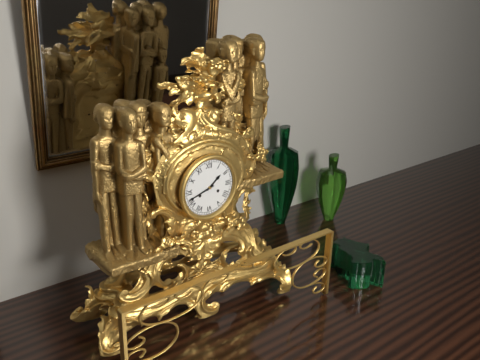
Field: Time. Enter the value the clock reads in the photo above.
1:42
